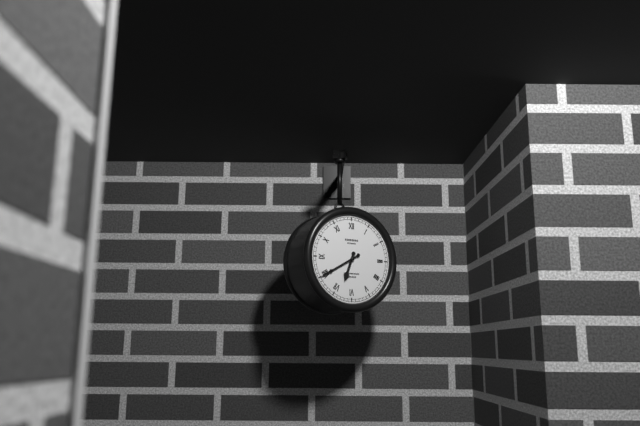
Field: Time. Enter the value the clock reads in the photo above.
6:40
